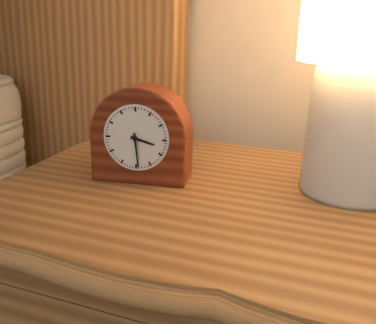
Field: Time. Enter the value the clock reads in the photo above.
3:29
